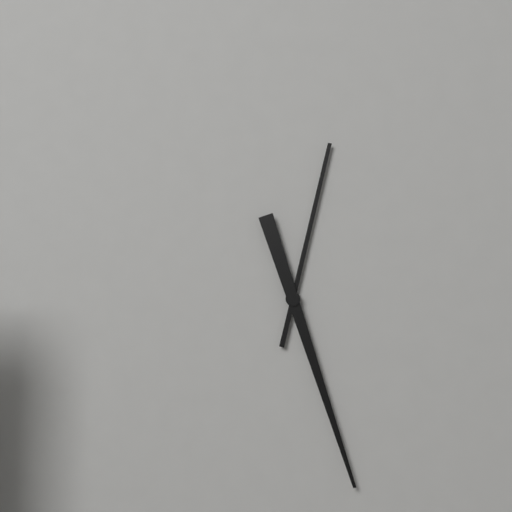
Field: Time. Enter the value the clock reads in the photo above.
12:27
